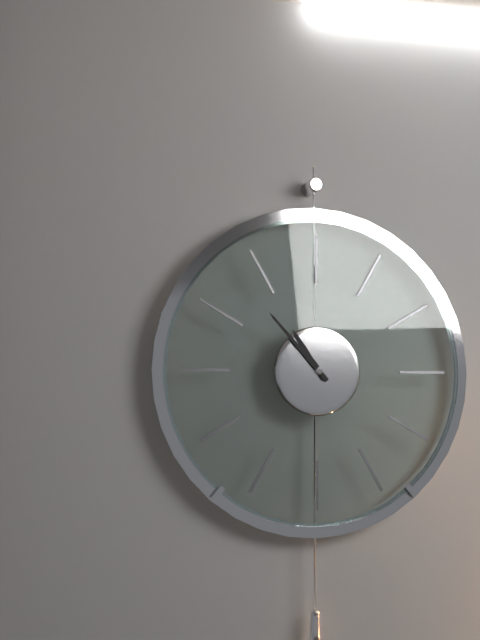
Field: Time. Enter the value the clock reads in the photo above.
10:53
